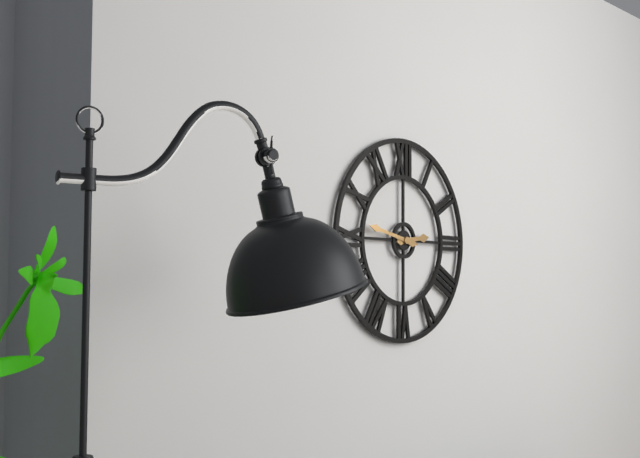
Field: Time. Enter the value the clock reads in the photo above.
2:47
